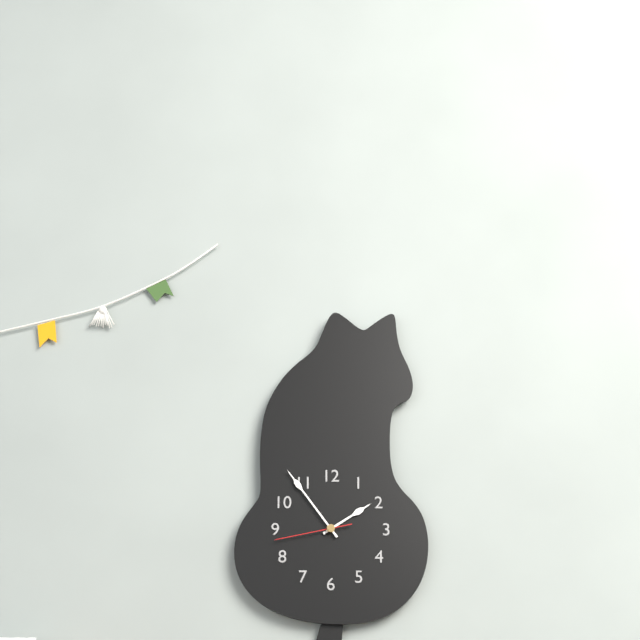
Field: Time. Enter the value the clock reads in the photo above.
1:54:43
